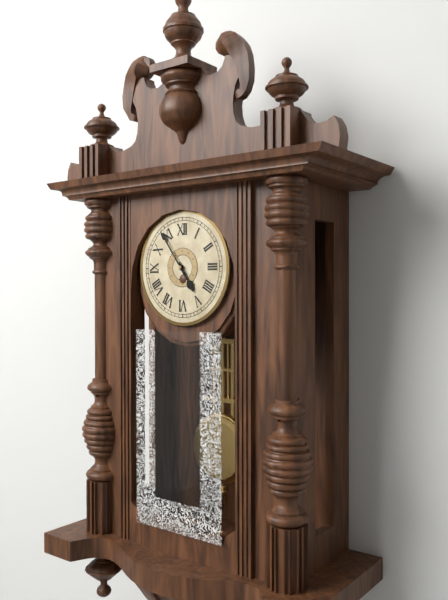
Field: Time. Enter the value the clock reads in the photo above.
4:54
